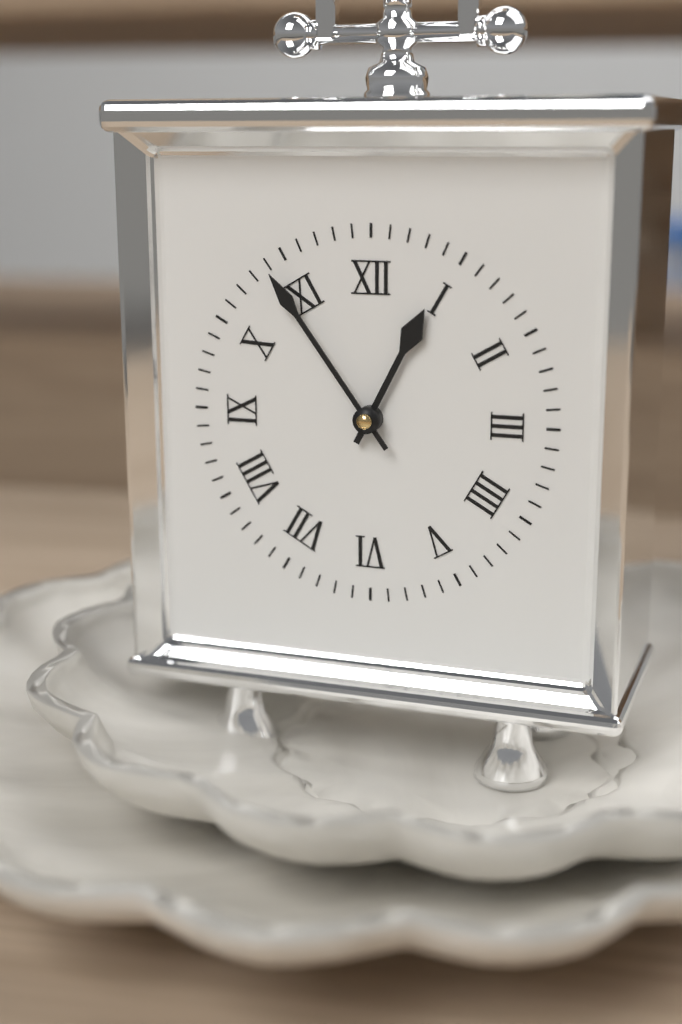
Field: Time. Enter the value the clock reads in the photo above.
12:54
